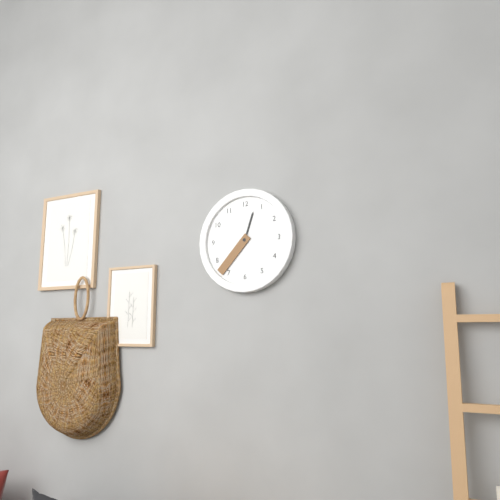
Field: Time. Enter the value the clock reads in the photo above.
12:37
